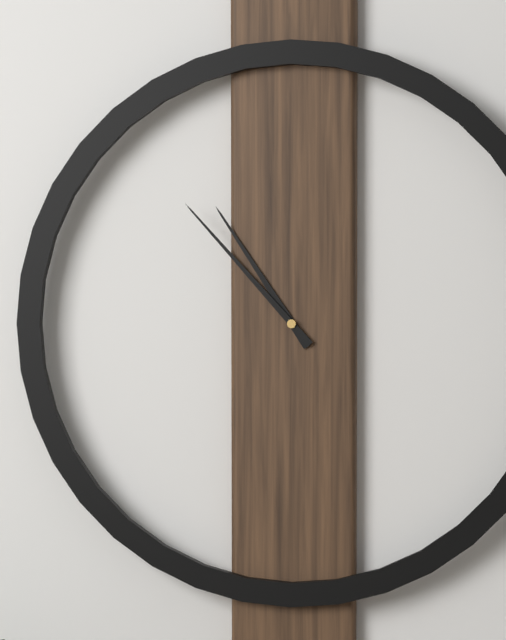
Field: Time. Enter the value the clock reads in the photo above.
10:53
